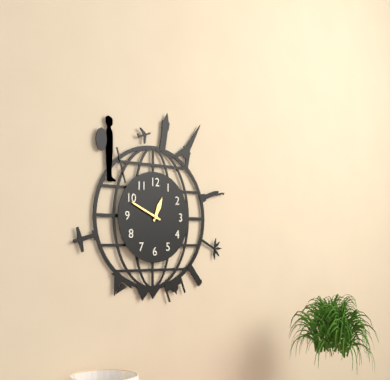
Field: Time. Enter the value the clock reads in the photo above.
12:49
